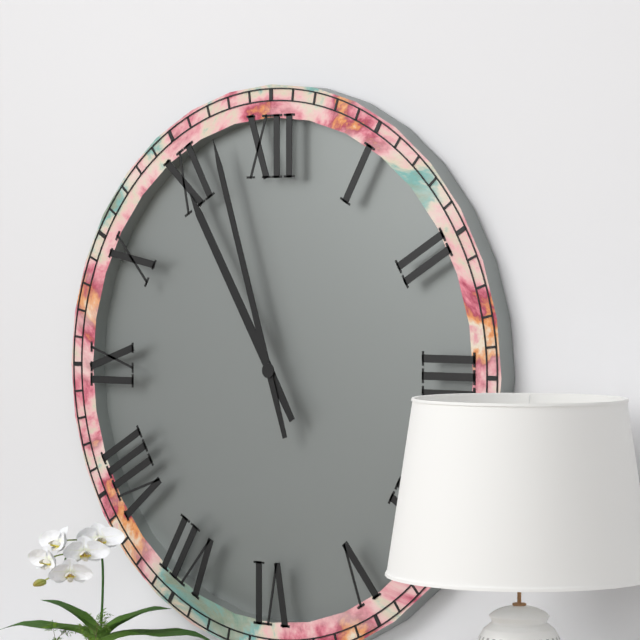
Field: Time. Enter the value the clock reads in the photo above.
10:57
